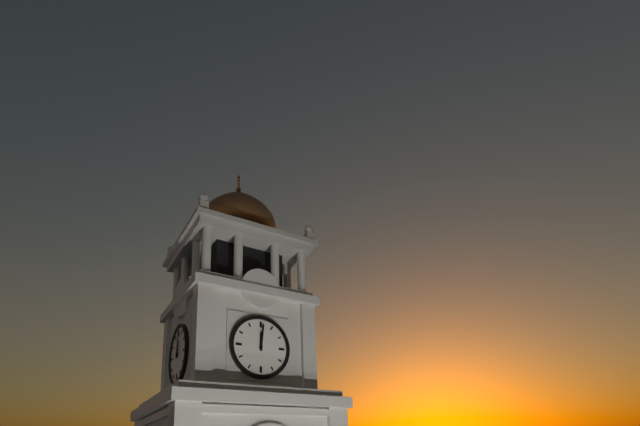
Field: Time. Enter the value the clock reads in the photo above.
12:01
